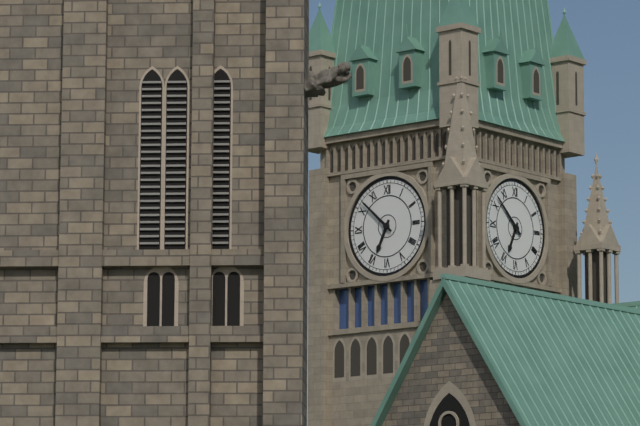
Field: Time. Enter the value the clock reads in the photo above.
6:52
